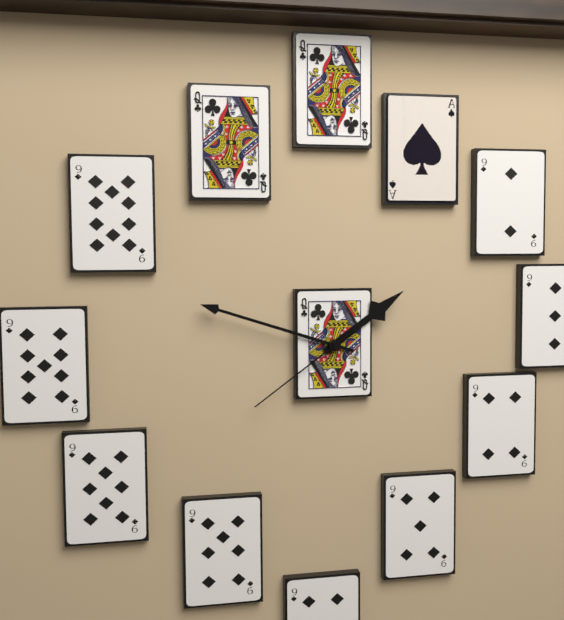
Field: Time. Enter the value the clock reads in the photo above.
1:48:39
